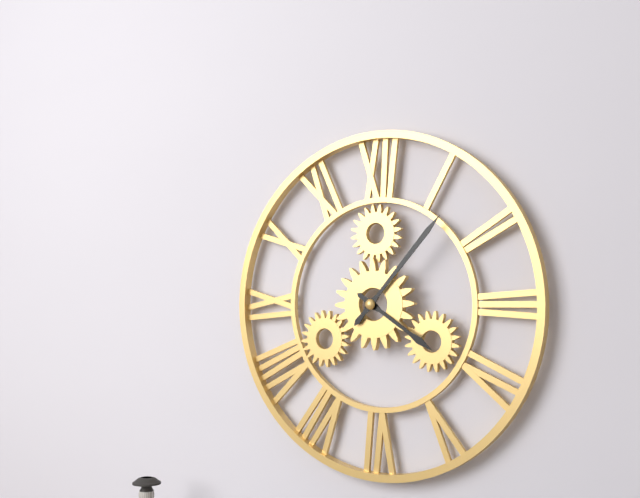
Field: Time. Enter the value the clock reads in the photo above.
4:07
